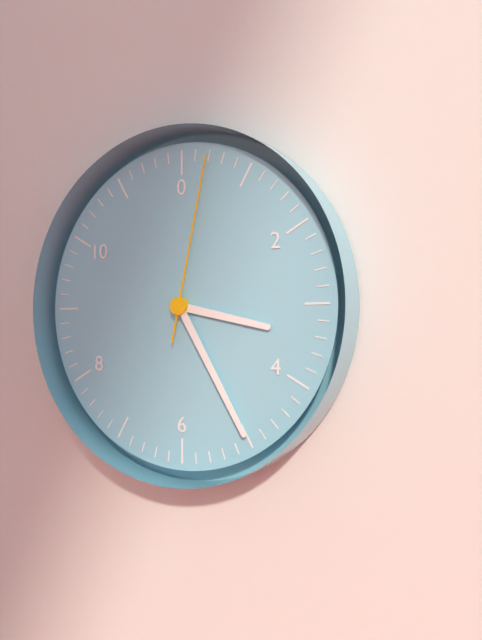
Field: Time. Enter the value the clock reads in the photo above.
3:25:02
